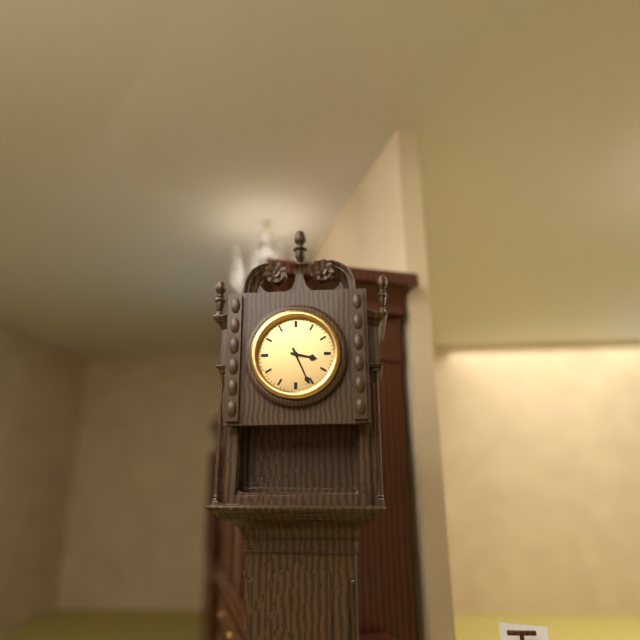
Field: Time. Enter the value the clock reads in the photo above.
3:26
